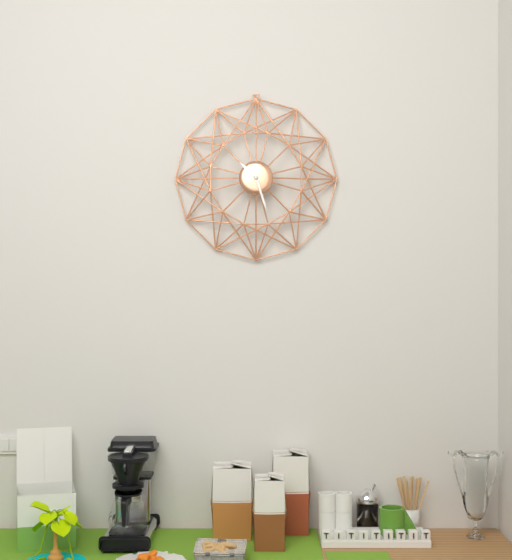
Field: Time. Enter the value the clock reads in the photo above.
10:27
